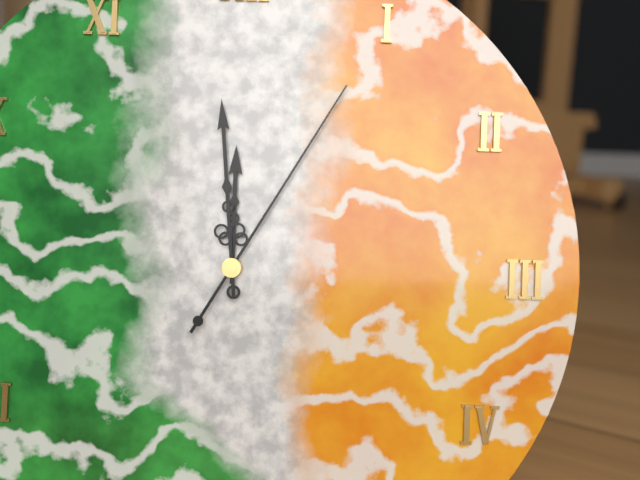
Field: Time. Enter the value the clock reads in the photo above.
11:59:05
